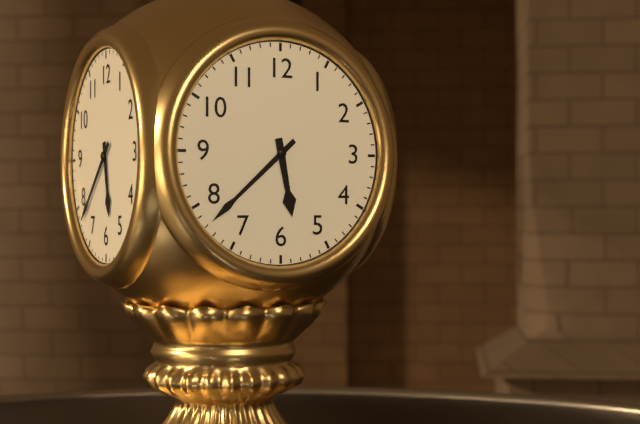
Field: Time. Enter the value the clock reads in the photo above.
5:38
